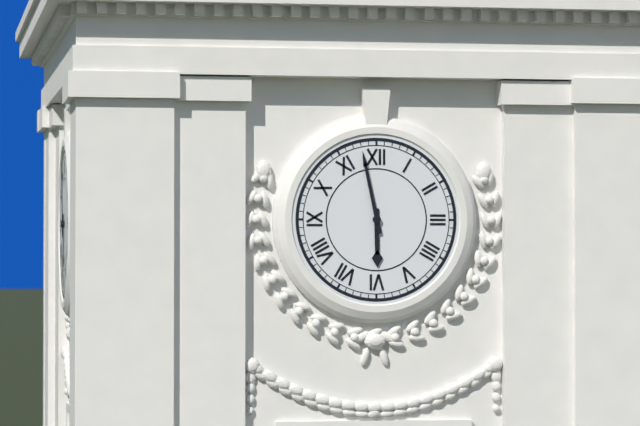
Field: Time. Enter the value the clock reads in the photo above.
5:58
